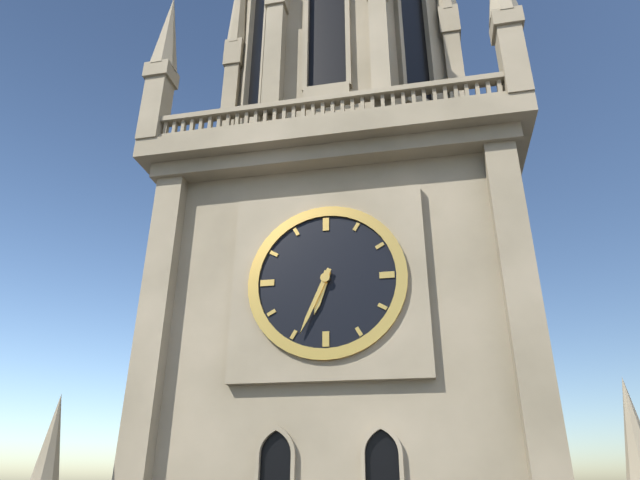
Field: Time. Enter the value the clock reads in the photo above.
6:34
